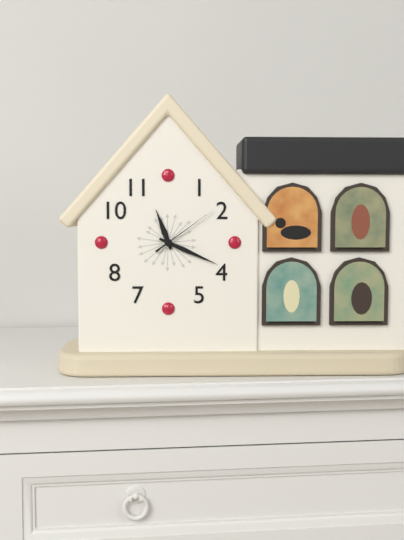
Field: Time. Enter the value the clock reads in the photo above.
11:19:09
